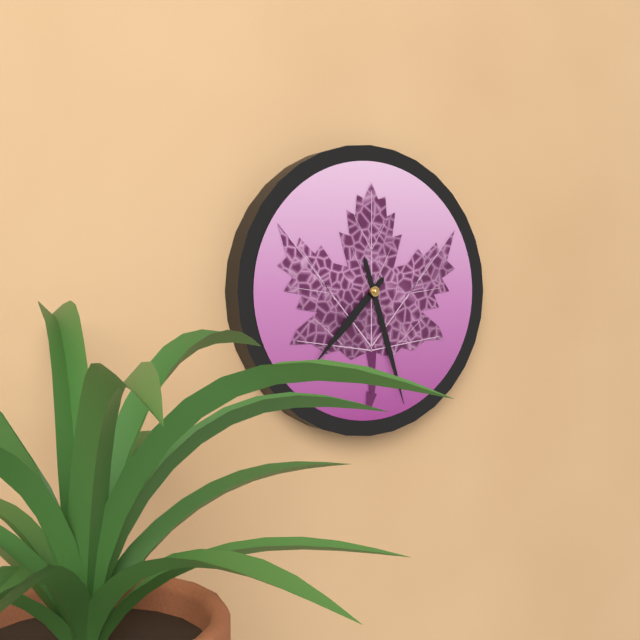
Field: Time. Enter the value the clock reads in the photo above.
7:27
